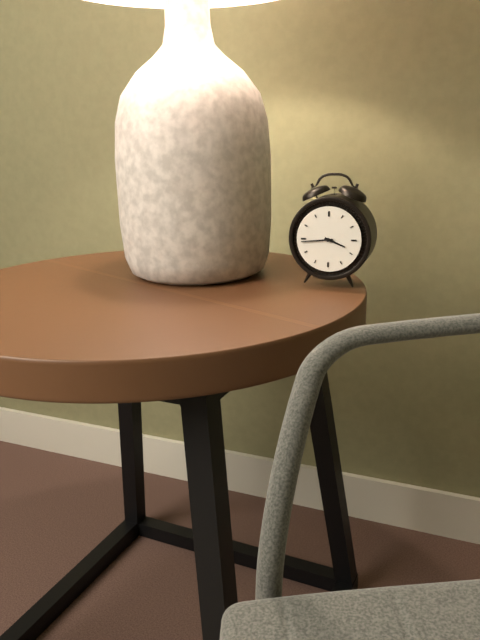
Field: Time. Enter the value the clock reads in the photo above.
3:44
